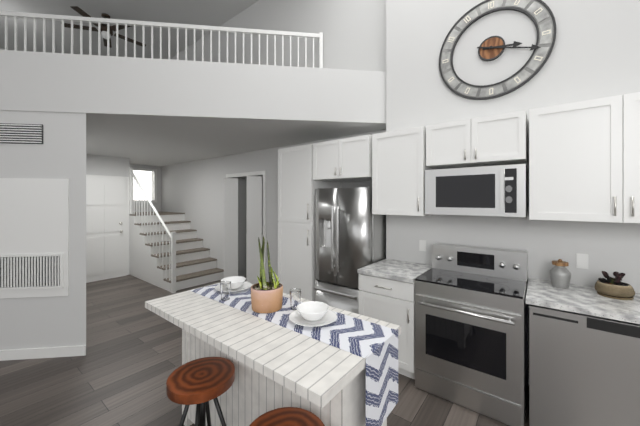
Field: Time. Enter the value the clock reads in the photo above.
3:18
